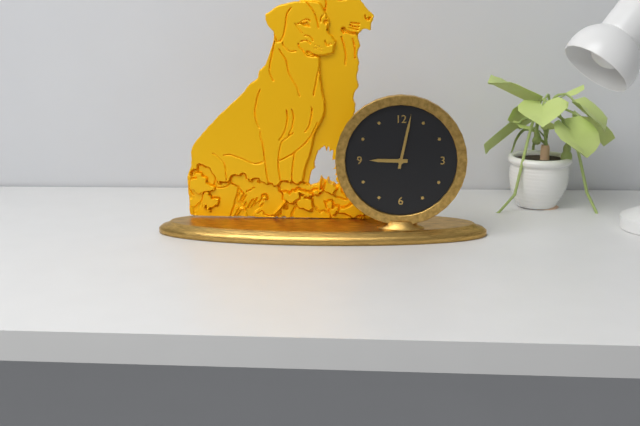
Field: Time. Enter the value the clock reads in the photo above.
9:02
